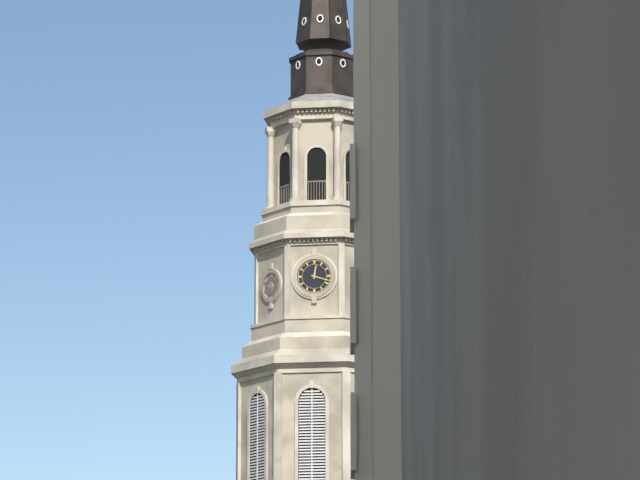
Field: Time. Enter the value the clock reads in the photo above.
12:18
